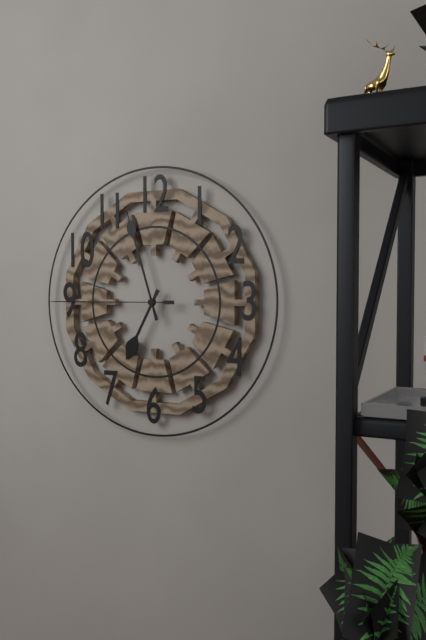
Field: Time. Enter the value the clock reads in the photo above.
6:57:45
